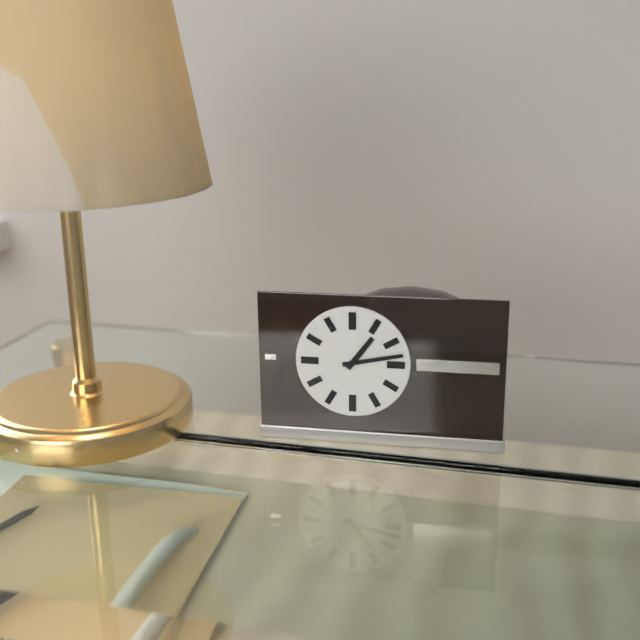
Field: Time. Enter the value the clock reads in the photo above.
1:13
